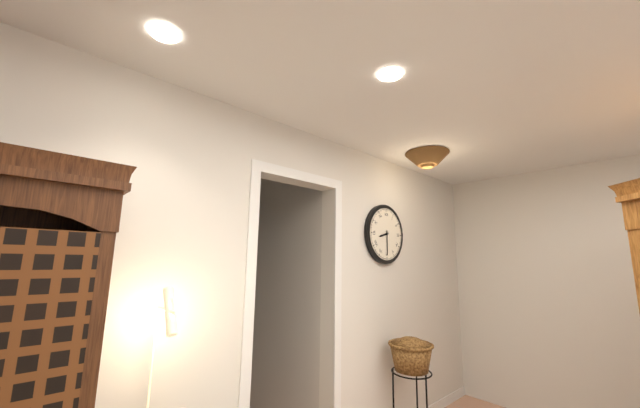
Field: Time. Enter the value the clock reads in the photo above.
8:30
